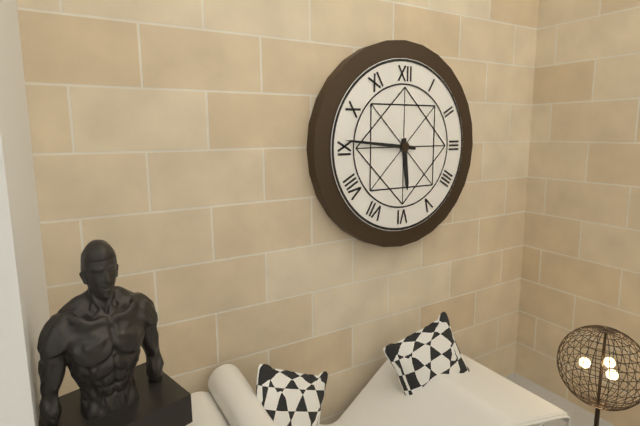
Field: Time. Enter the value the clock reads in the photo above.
5:46
